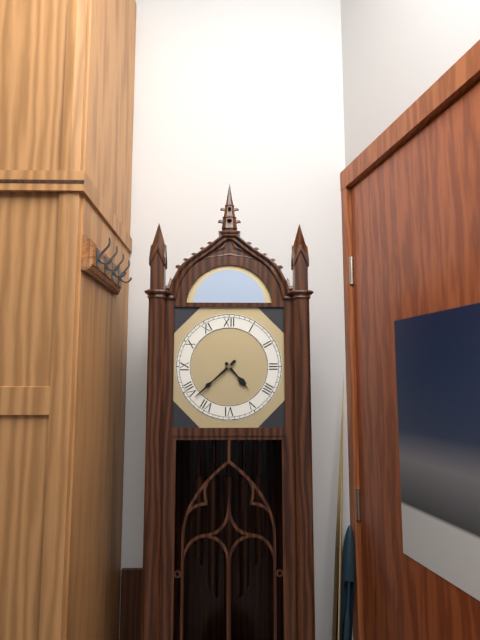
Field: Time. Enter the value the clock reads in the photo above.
4:38
